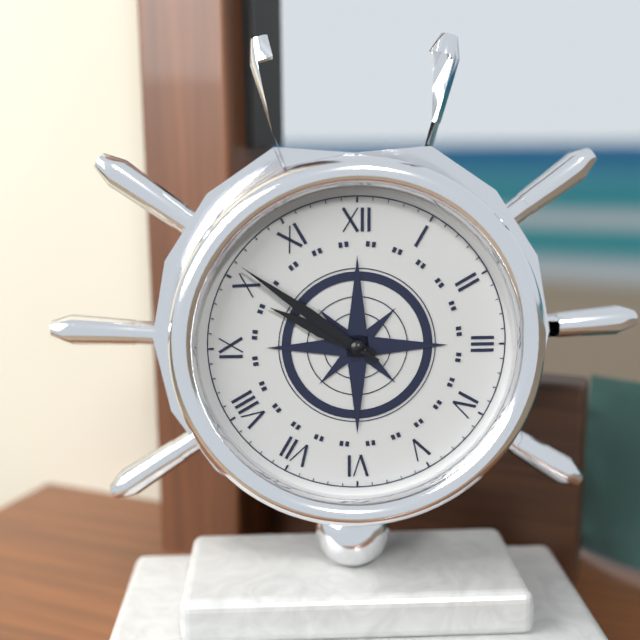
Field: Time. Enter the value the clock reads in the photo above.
9:51
